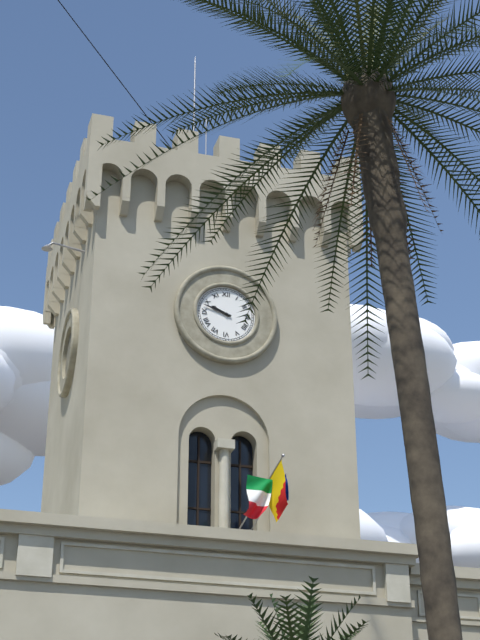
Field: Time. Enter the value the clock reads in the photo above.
9:48
